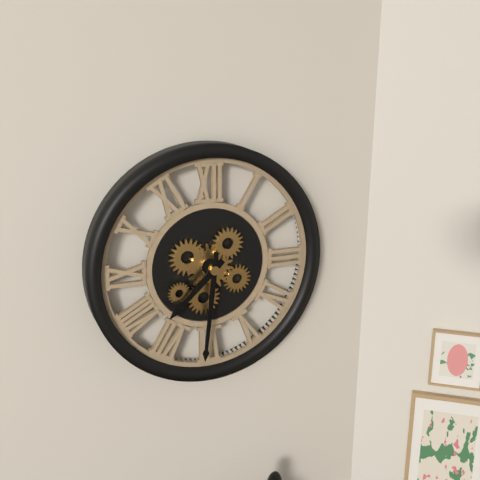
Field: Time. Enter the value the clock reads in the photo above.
7:31
